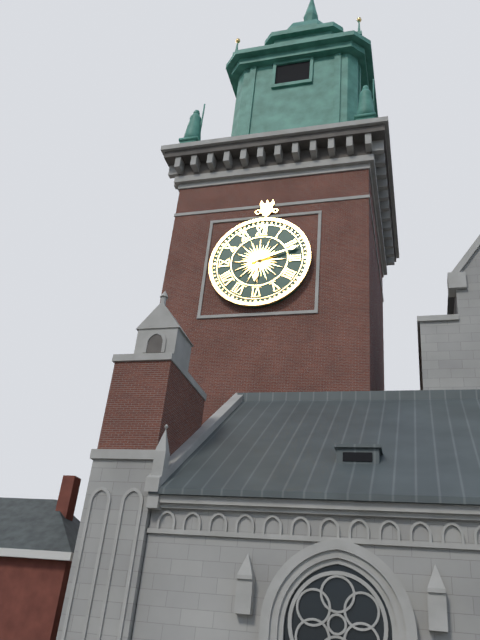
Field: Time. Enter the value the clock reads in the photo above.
6:12
